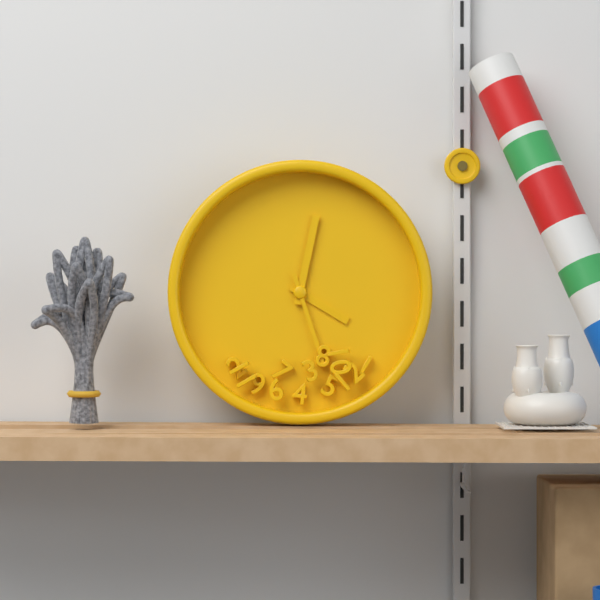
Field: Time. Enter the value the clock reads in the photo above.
4:02:27
